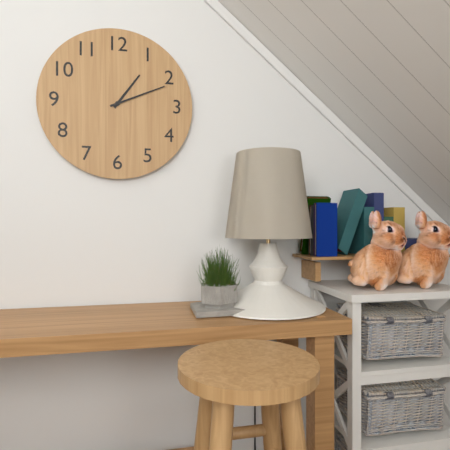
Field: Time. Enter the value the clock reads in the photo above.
1:11
